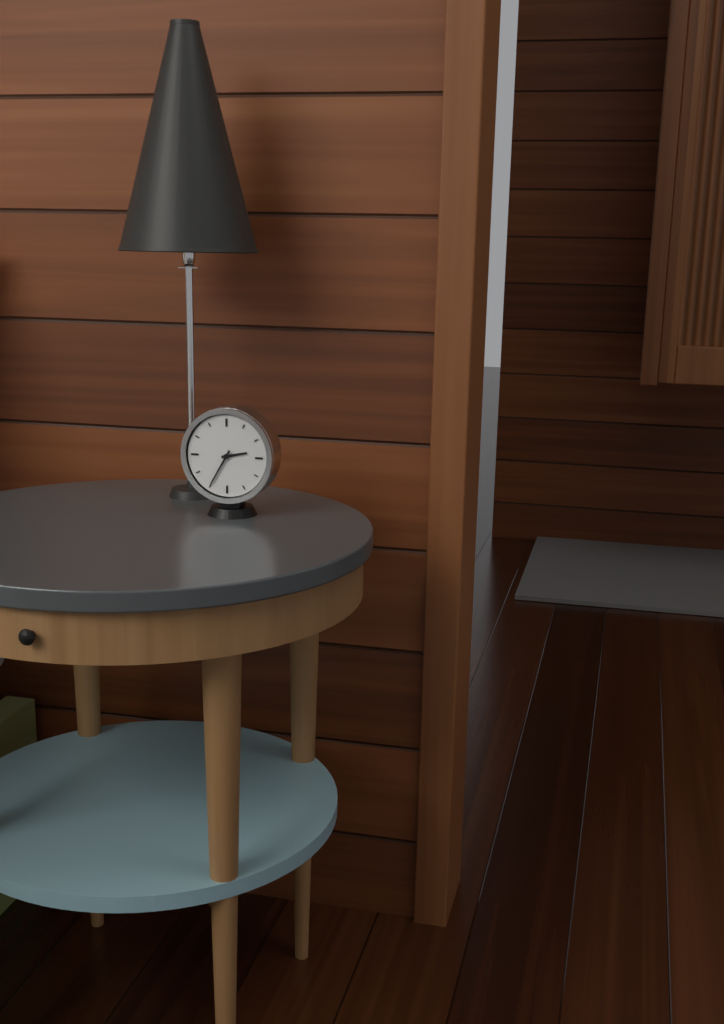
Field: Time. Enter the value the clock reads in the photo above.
2:35
